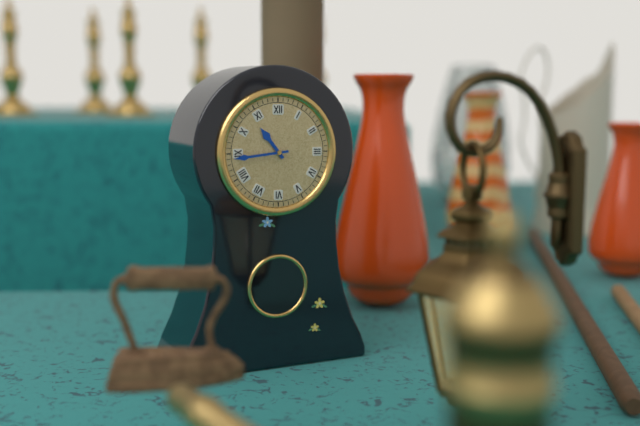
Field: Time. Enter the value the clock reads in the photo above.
10:44
